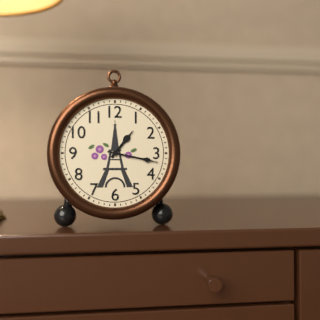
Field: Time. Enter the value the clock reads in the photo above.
1:17
